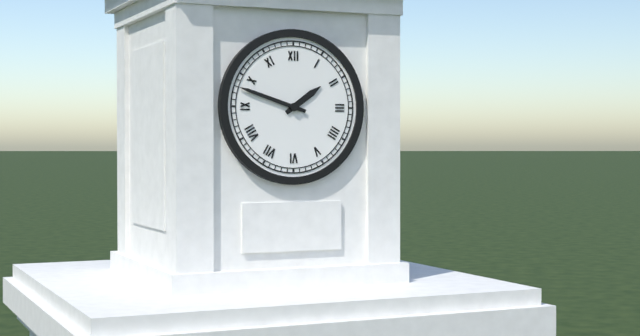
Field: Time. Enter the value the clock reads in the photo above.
1:48
